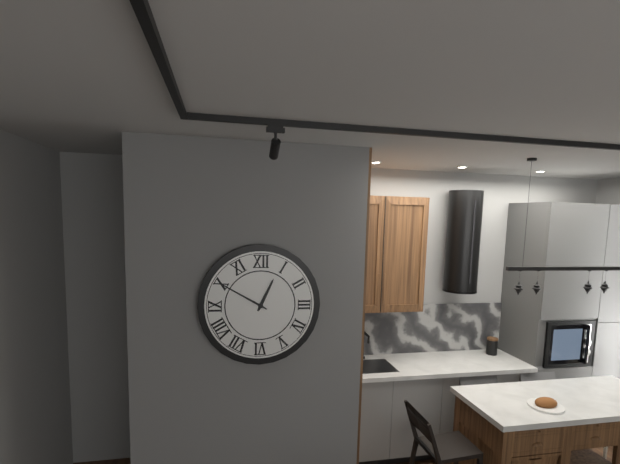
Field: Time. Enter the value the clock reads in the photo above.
12:50
